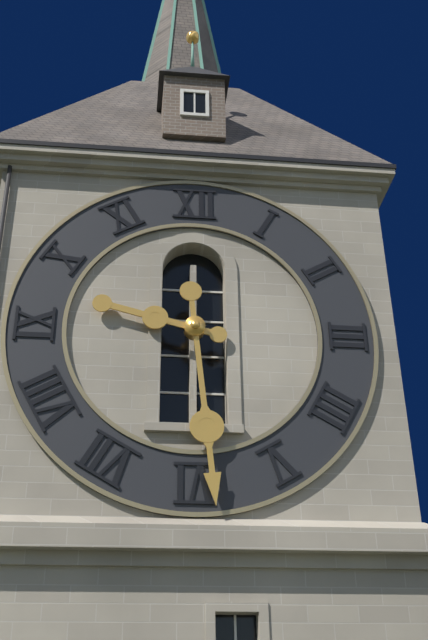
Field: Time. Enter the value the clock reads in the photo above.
9:29
